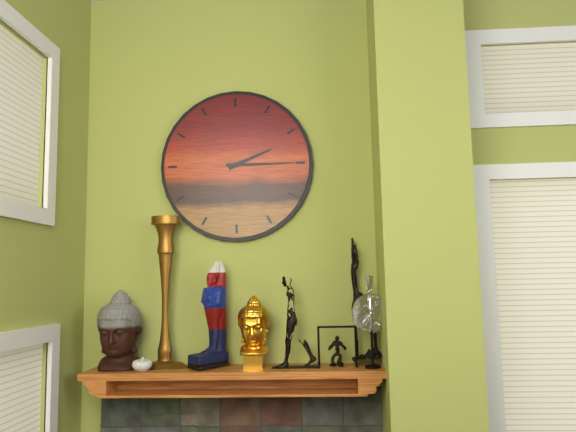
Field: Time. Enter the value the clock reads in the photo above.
2:15
